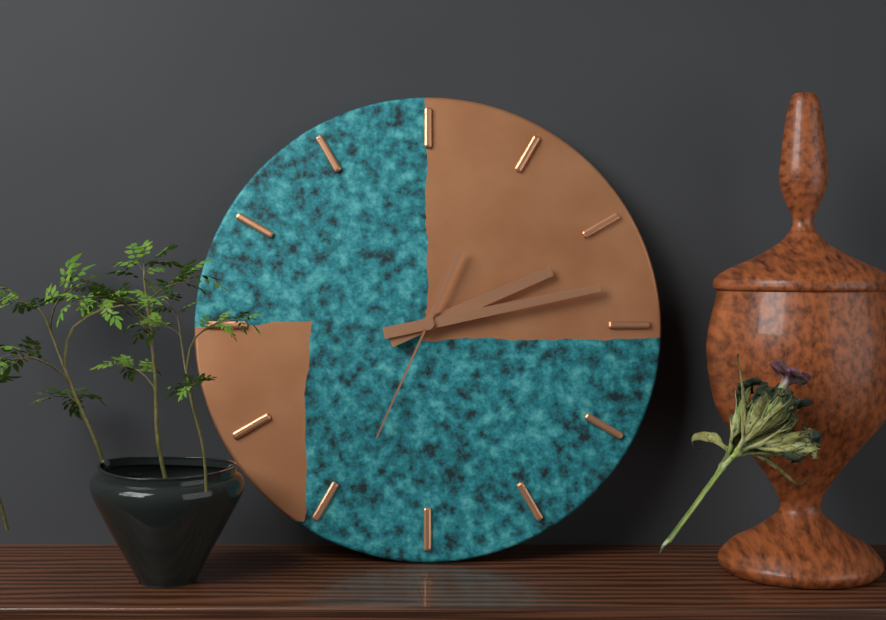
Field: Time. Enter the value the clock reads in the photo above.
2:13:34
